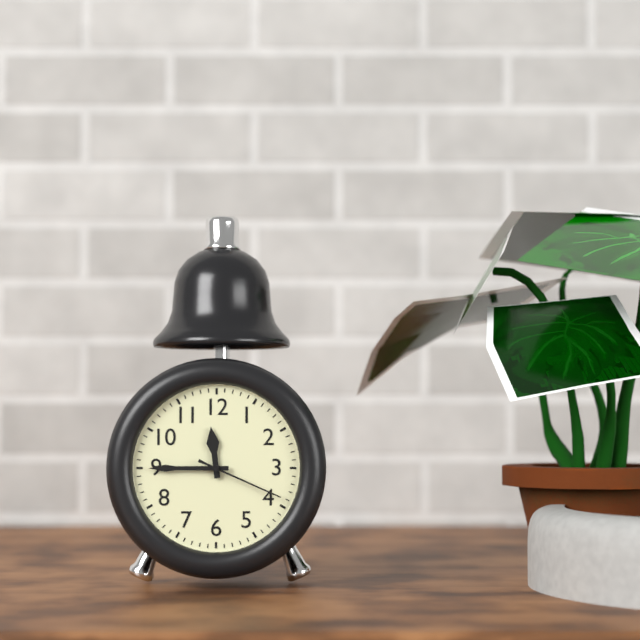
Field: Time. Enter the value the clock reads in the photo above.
11:45:19
